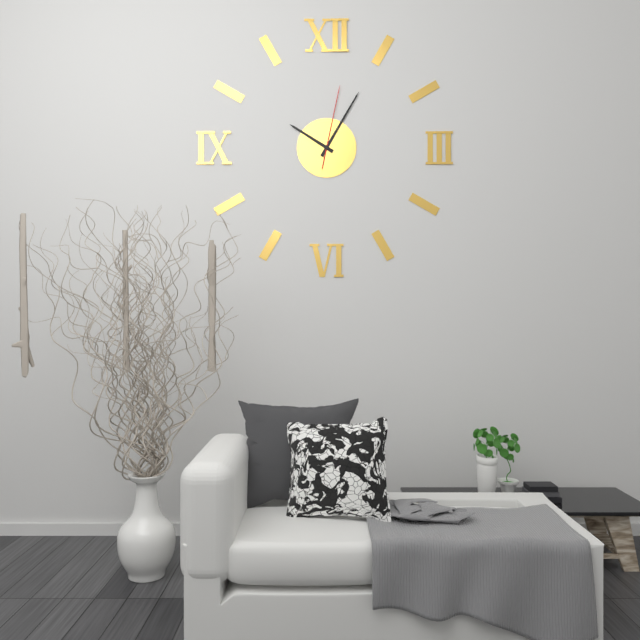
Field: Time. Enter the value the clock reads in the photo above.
10:05:02
